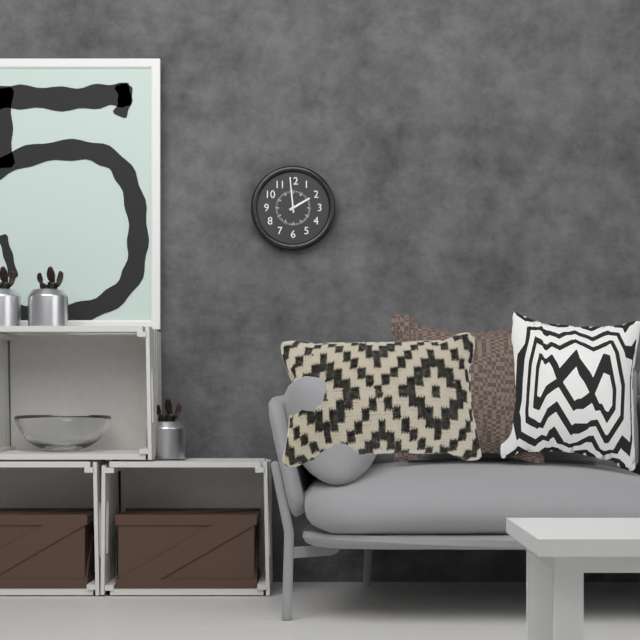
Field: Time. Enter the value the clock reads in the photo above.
1:59
